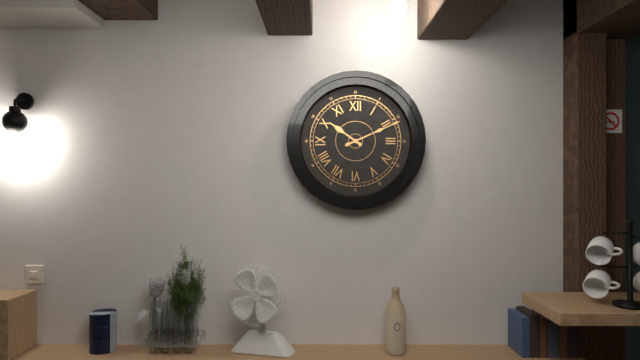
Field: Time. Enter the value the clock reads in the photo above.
10:11
